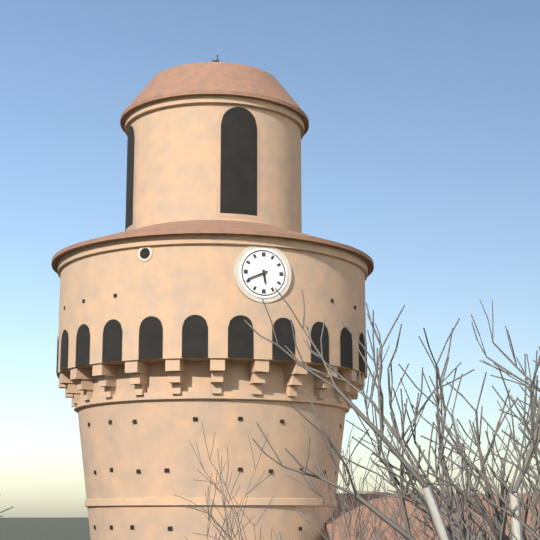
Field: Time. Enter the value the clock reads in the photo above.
5:41
